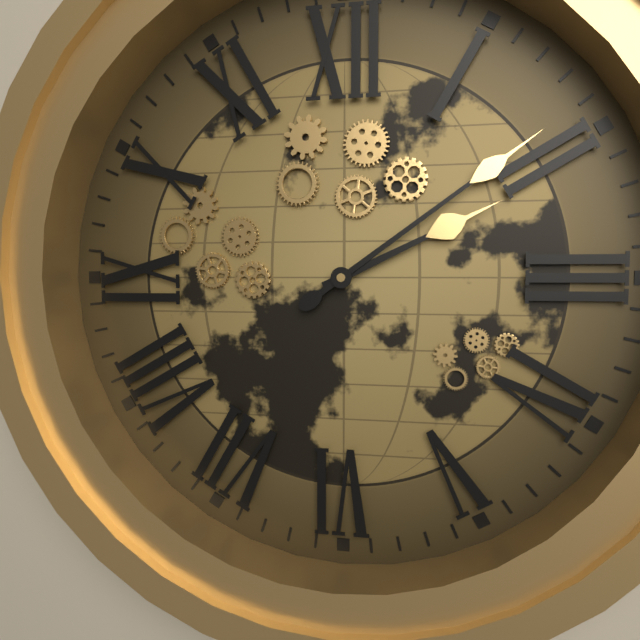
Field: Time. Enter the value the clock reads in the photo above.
2:09
